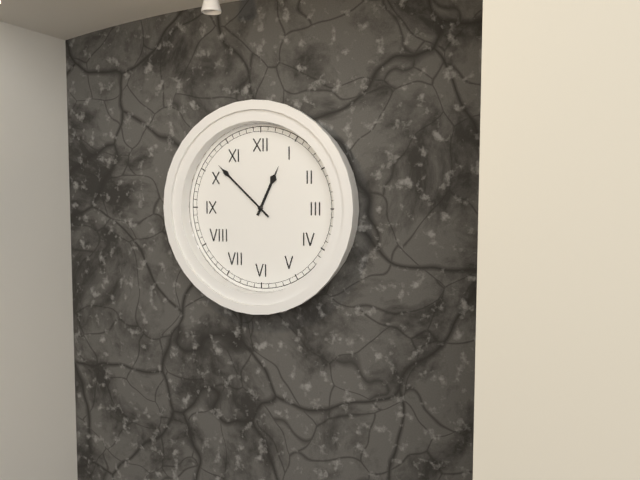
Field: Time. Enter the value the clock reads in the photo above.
12:52
